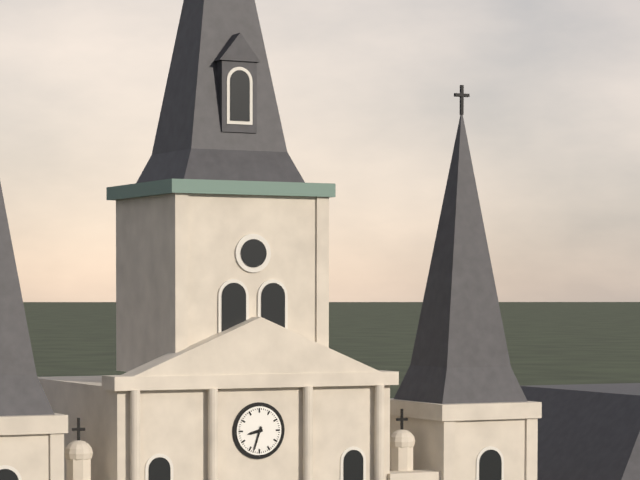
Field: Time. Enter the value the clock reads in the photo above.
8:33
